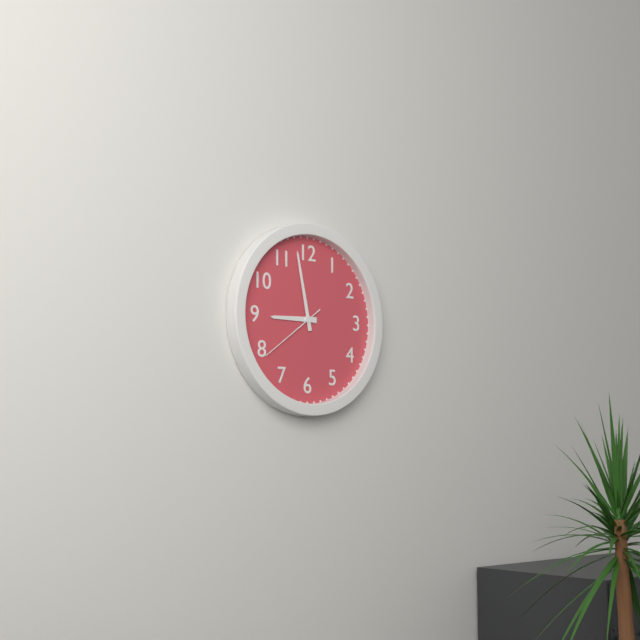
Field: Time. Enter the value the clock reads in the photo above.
8:58:39
